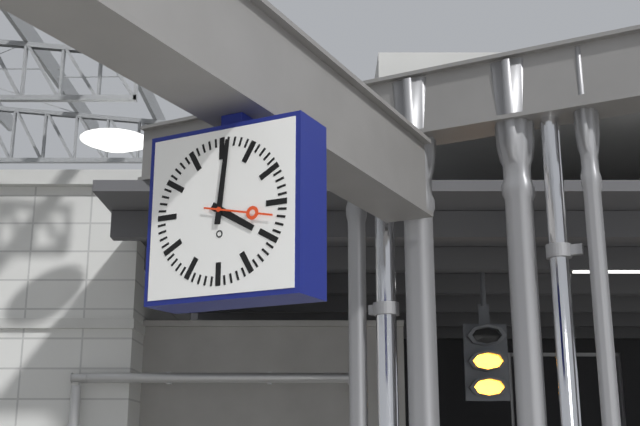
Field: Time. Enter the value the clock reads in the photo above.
4:01
